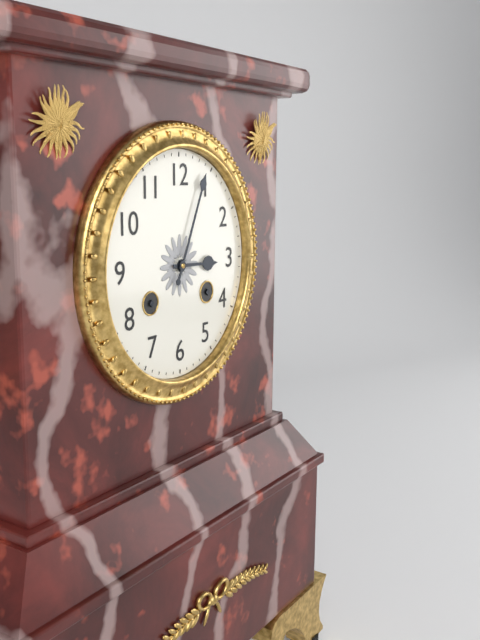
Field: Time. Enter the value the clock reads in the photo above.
3:04
